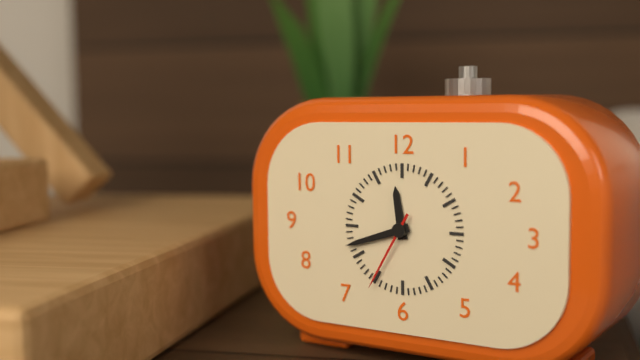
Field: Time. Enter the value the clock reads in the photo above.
11:42:35
